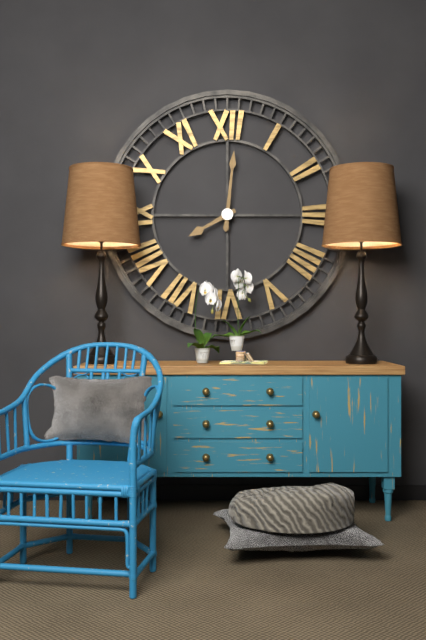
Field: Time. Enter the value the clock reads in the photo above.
8:01
